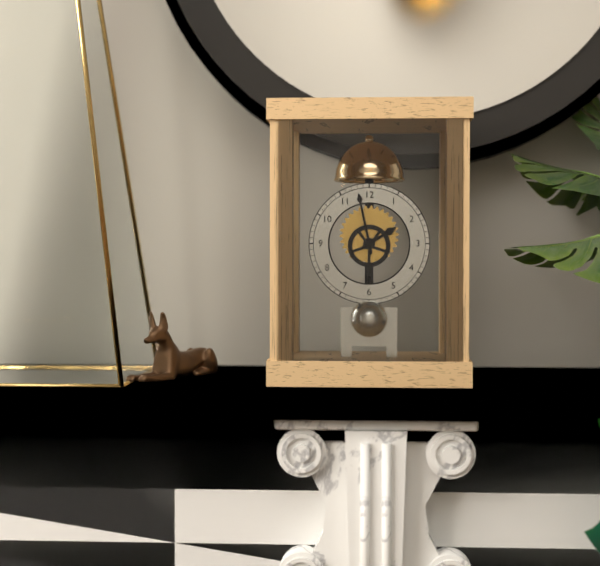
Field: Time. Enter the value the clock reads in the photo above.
1:58
